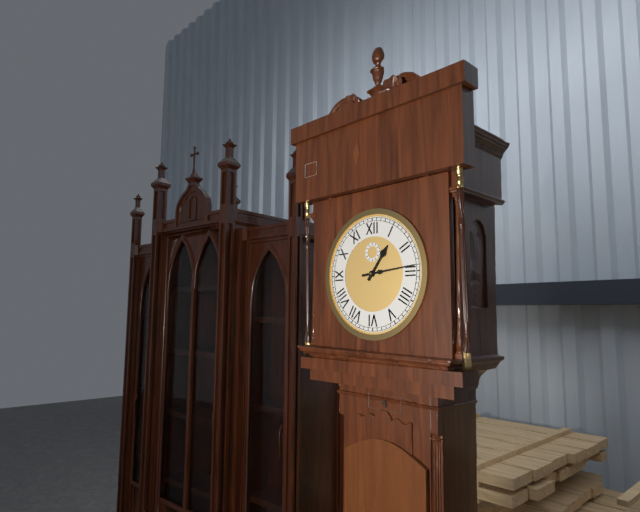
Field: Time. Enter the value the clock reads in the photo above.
1:14
